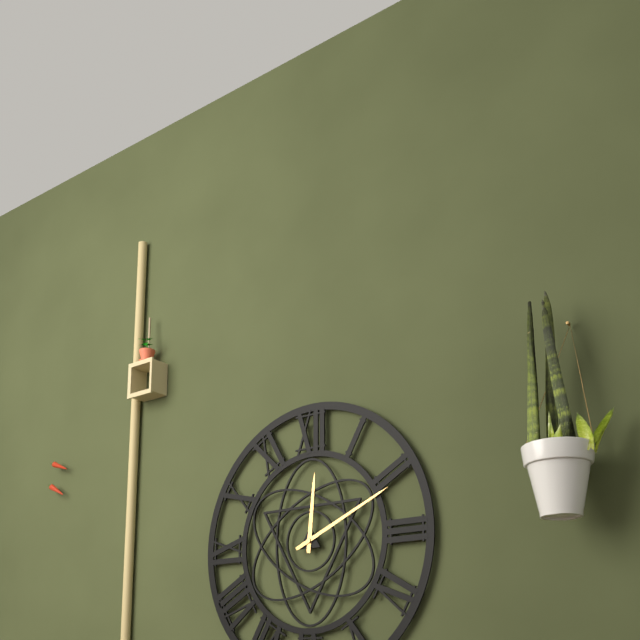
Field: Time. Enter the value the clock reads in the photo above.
12:11
